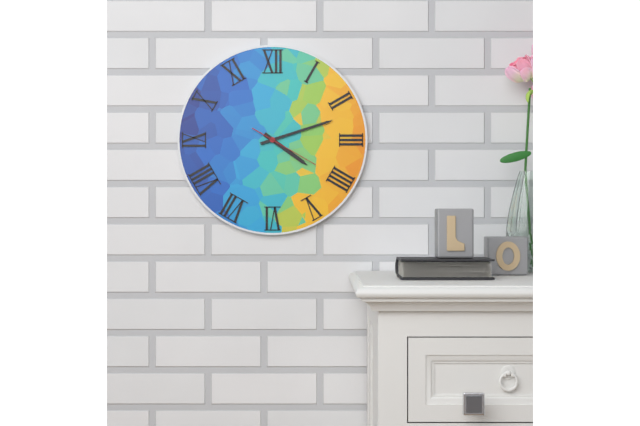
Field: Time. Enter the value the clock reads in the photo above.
4:12:20
